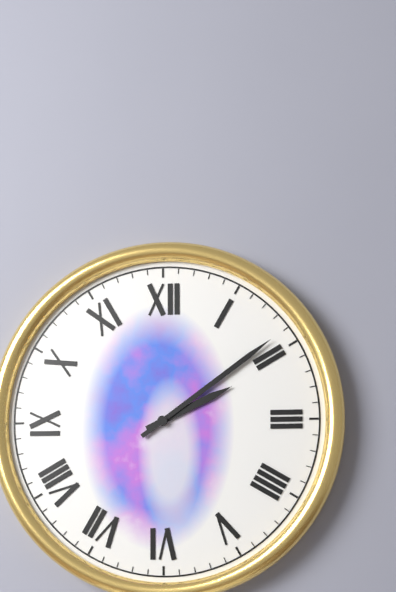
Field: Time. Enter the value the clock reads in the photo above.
2:09
